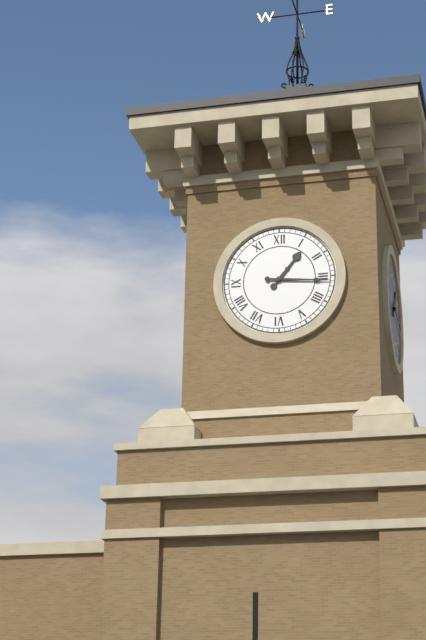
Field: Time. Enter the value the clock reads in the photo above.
1:16
